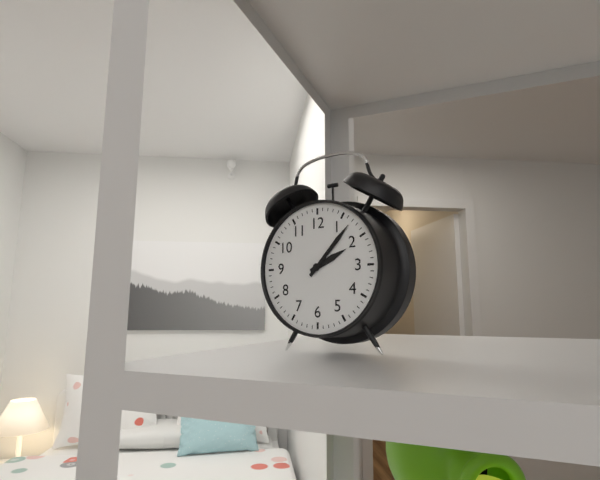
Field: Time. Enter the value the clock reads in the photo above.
2:07
